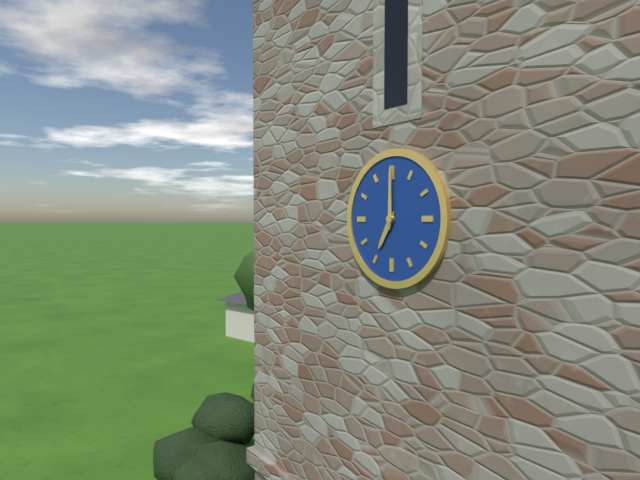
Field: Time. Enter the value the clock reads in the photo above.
7:00
